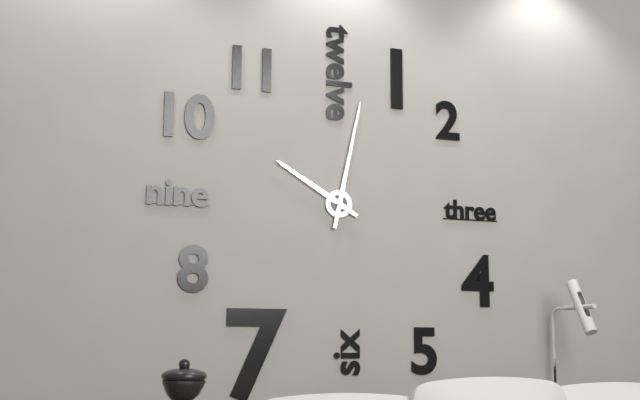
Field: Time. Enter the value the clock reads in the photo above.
10:02
